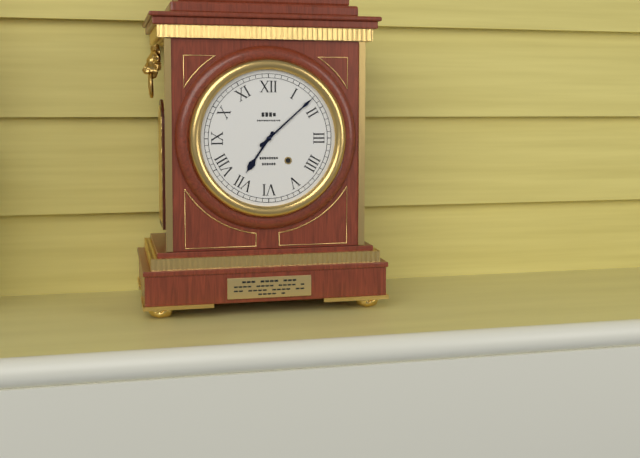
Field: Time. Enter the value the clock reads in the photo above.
7:08
